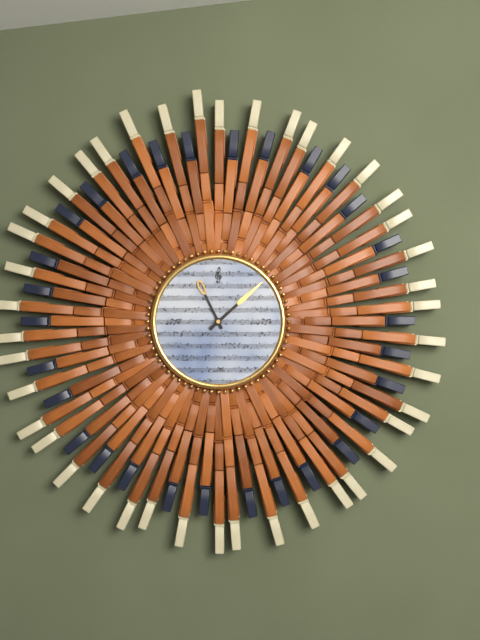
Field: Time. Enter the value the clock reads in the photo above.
11:08
